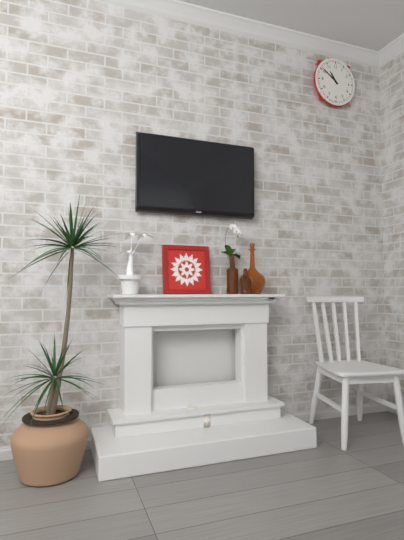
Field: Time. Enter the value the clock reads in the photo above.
10:51
